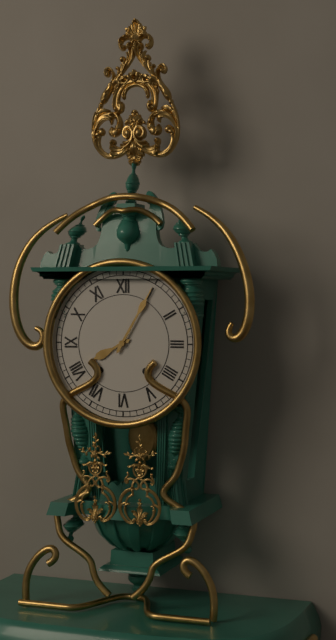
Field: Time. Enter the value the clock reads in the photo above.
8:05
